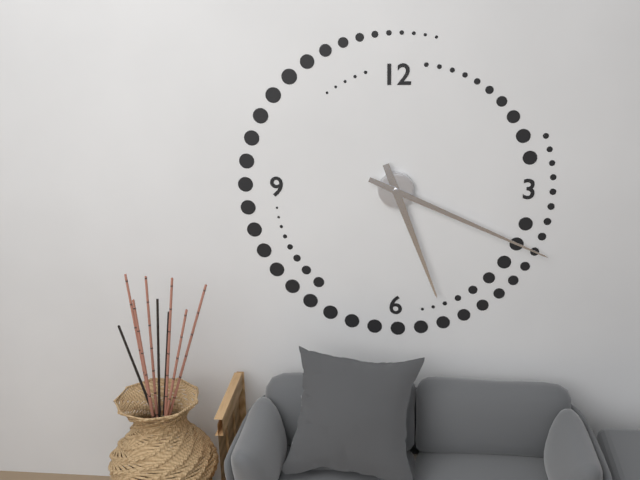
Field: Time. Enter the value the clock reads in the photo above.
5:19
